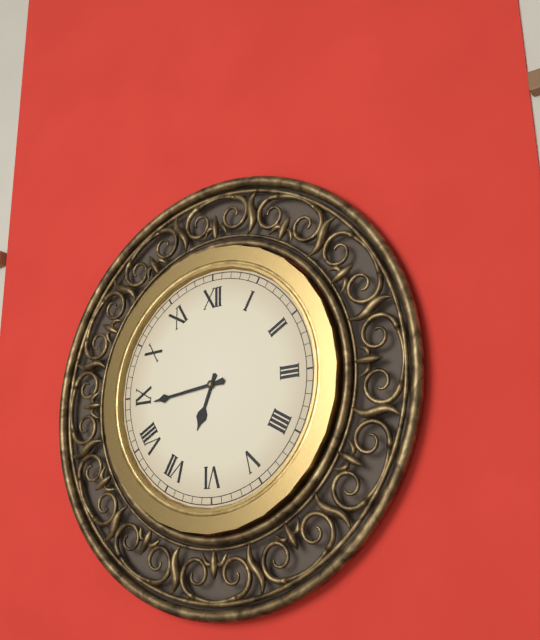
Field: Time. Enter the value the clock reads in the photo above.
6:44
